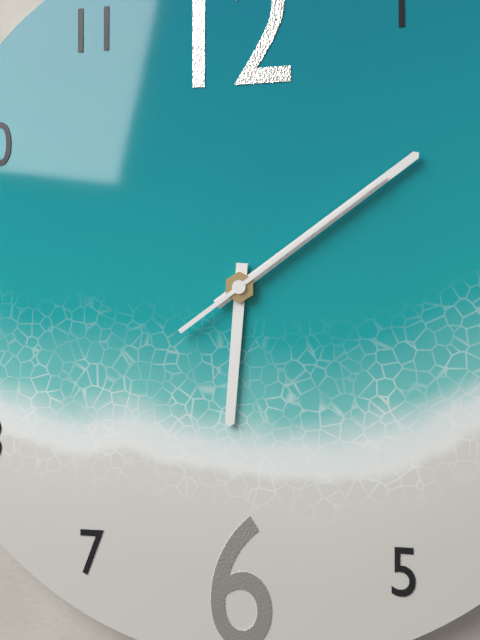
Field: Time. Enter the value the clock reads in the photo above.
6:09:09
